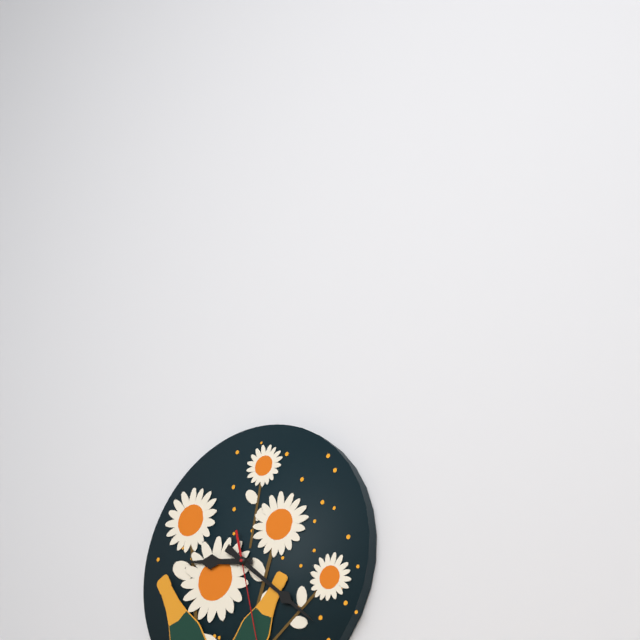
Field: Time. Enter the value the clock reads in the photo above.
9:22
